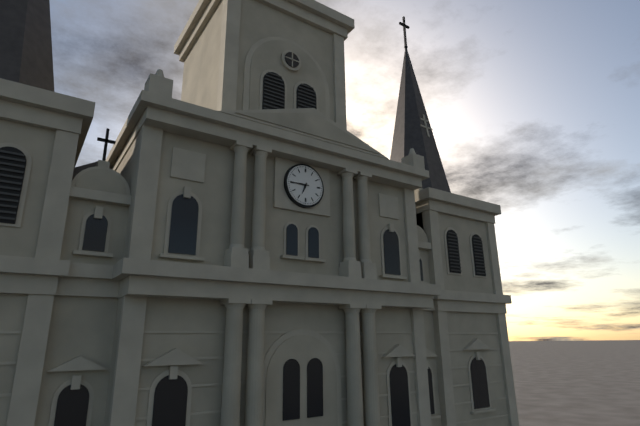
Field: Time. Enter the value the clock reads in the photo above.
6:45
